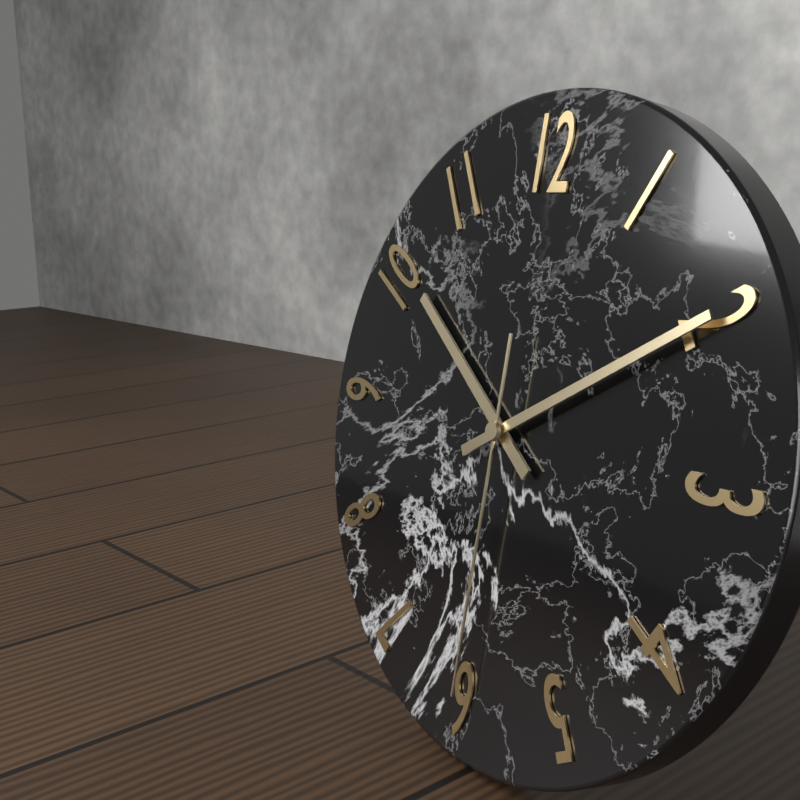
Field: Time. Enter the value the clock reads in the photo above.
10:10:30
